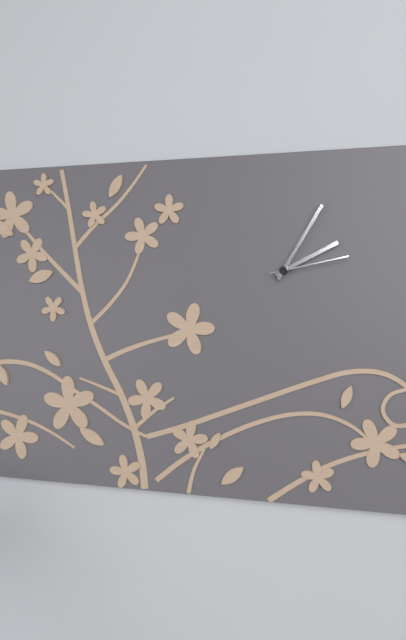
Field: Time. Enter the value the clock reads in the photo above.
2:05:13
